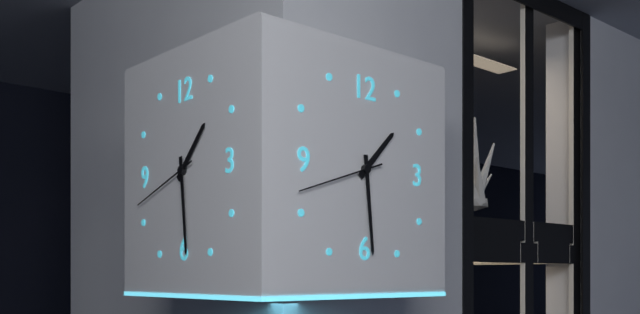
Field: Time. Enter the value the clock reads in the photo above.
1:29:42
